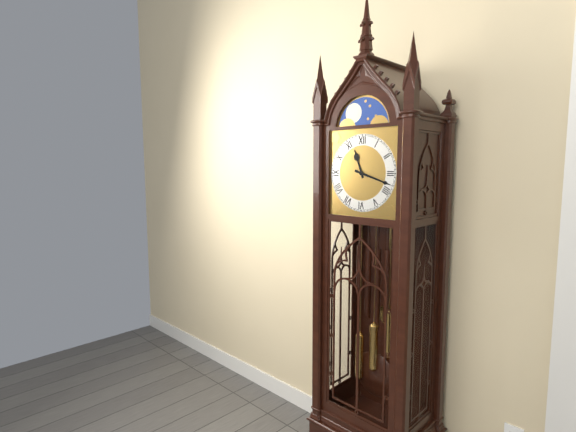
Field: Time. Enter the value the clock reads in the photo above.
11:18
